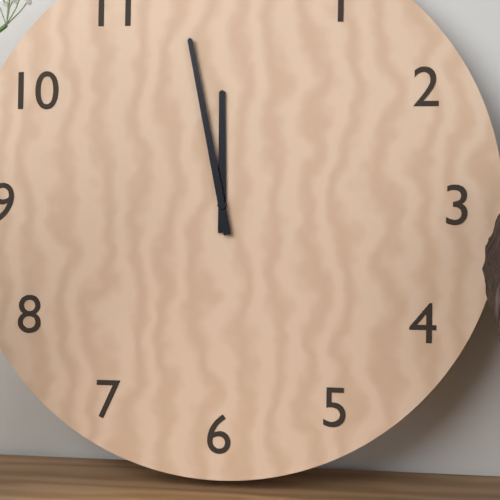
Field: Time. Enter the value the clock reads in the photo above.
11:58
